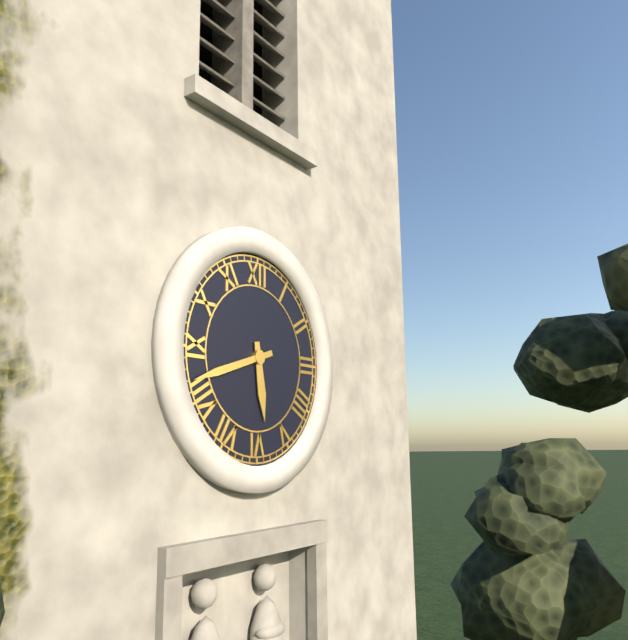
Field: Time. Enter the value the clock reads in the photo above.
5:42
